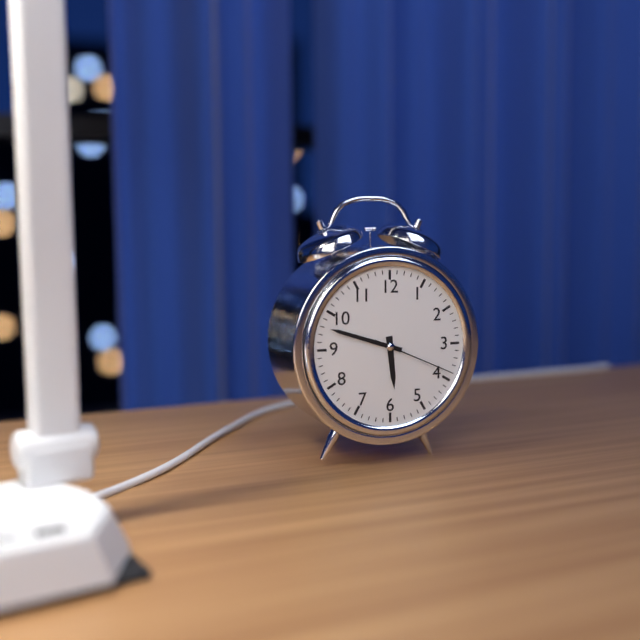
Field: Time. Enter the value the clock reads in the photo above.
5:48:19
